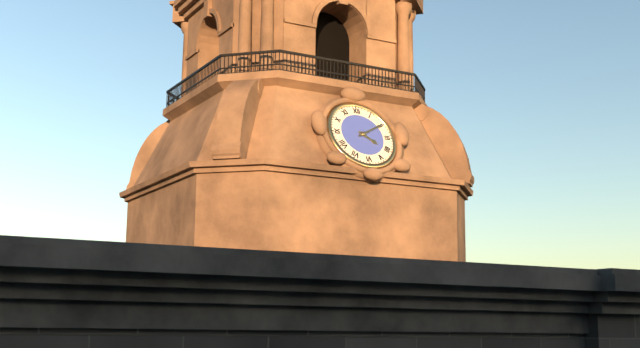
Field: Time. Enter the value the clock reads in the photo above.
4:10
